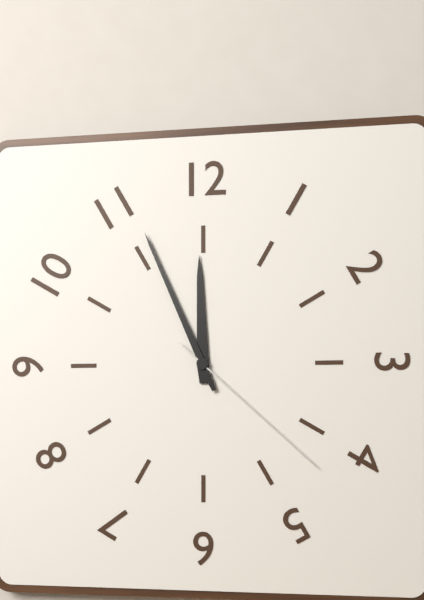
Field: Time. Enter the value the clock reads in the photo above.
11:56:22
